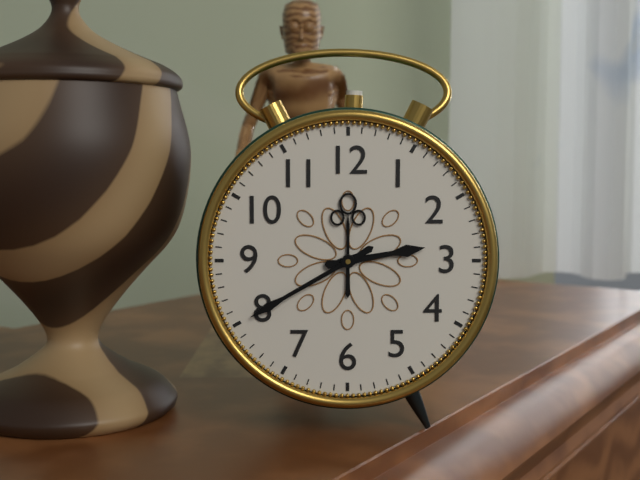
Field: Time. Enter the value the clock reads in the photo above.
2:40
